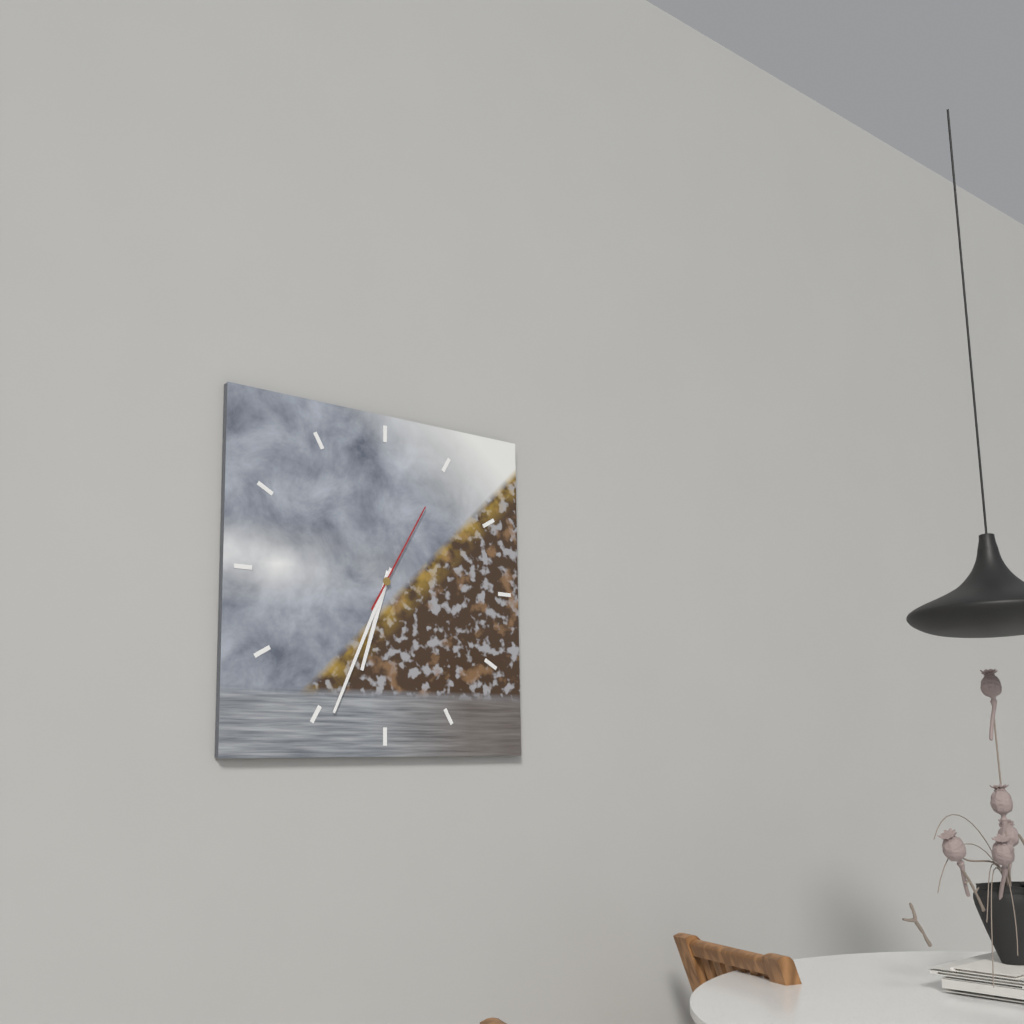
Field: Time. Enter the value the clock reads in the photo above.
6:34:05
